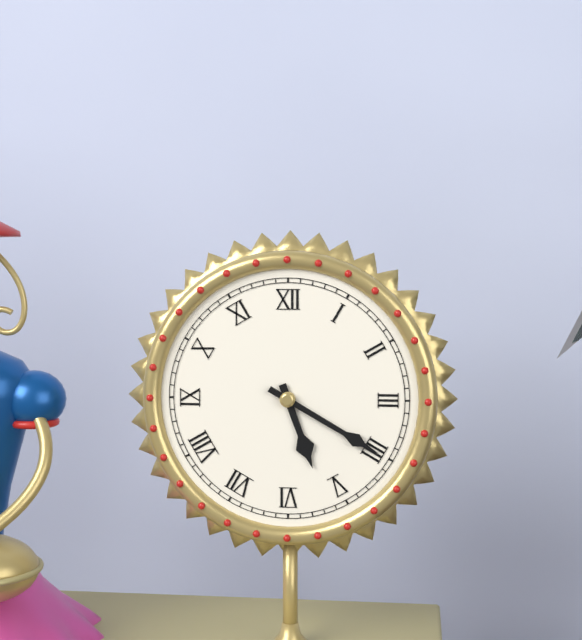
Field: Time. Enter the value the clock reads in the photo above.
5:20
